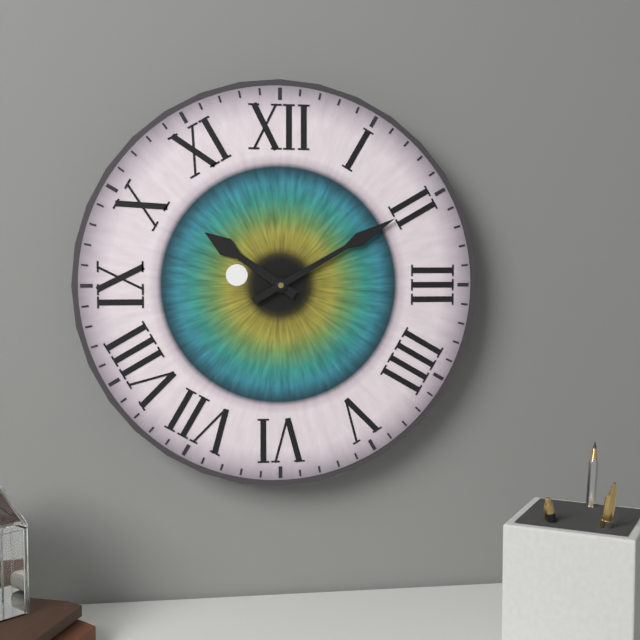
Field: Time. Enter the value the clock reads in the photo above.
10:10
